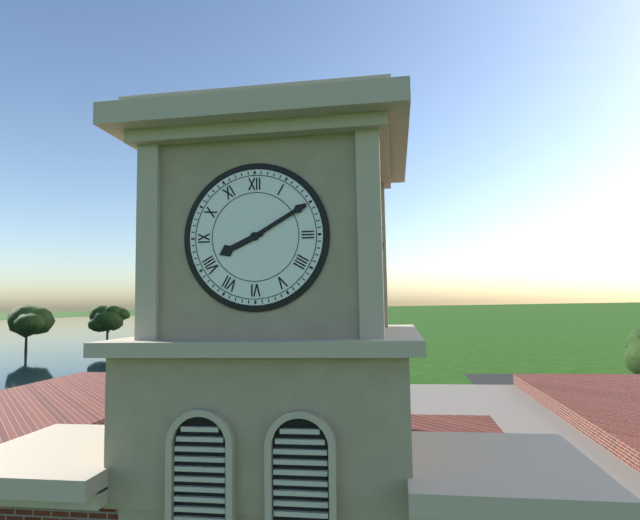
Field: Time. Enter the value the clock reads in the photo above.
8:10
